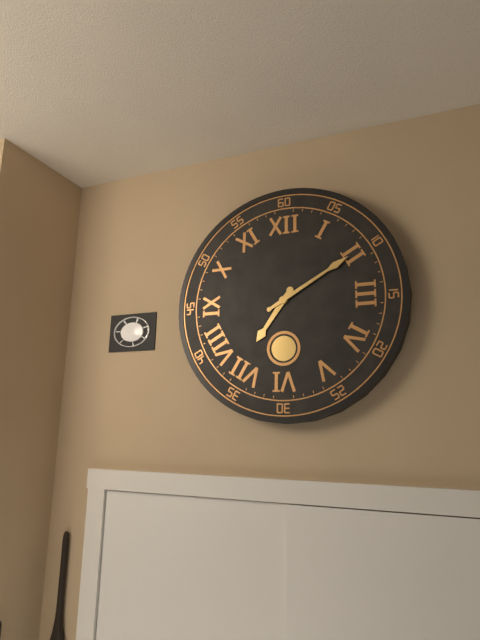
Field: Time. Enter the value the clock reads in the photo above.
7:10
